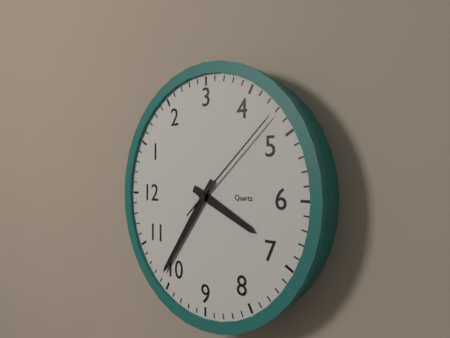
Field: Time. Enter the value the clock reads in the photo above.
6:51:23
